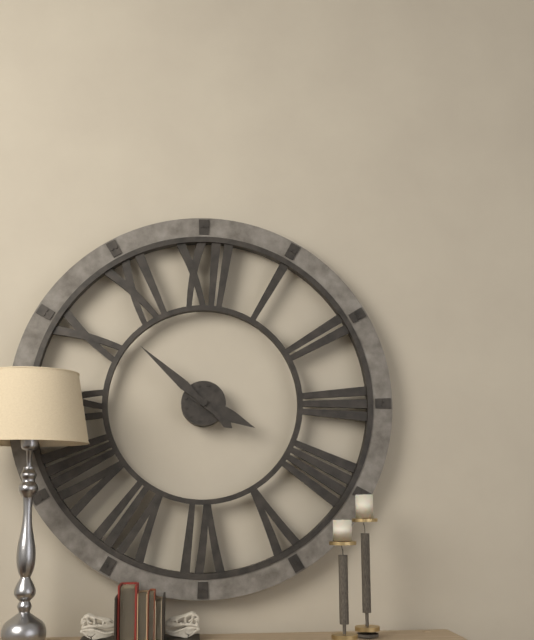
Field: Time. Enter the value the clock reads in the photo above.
3:52
